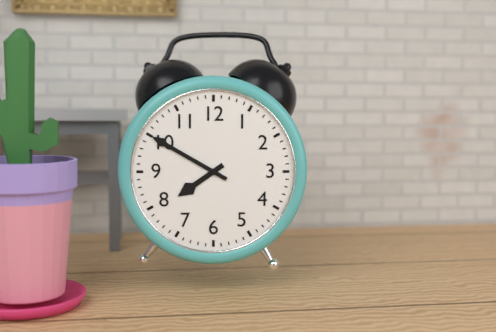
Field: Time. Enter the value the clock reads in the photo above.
7:50
